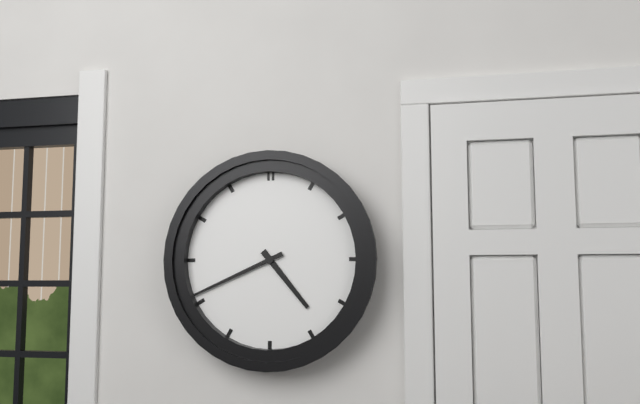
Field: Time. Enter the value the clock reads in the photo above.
4:41
